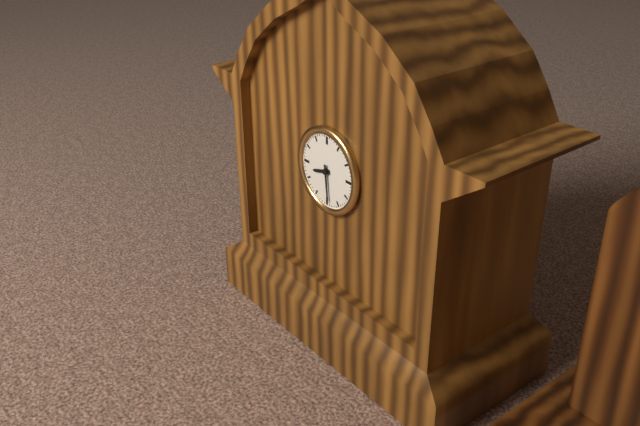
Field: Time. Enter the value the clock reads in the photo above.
8:29
